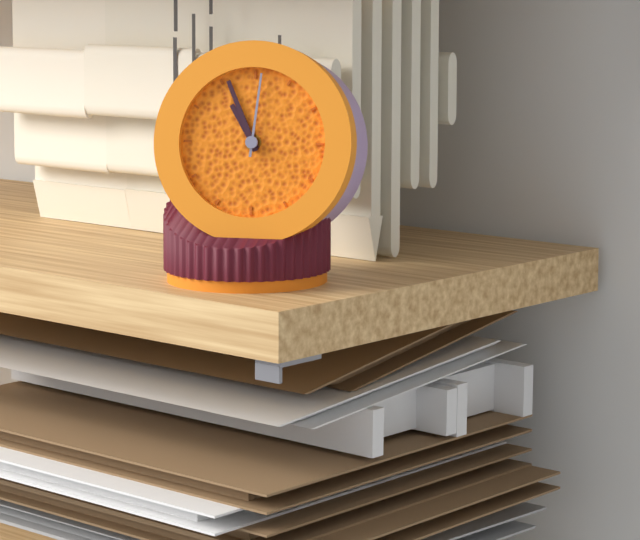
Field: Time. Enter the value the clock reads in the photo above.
10:56:01
